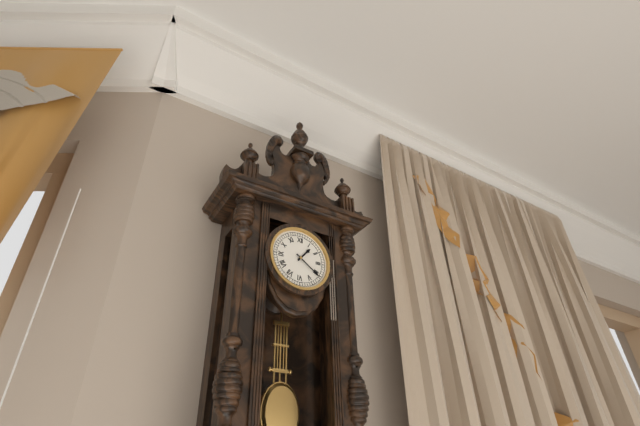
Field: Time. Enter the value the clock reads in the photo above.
1:21
